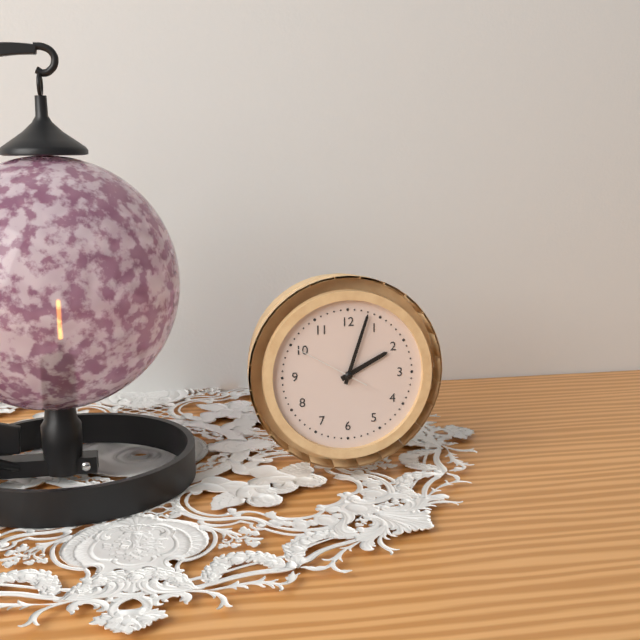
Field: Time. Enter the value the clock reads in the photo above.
2:03:50
